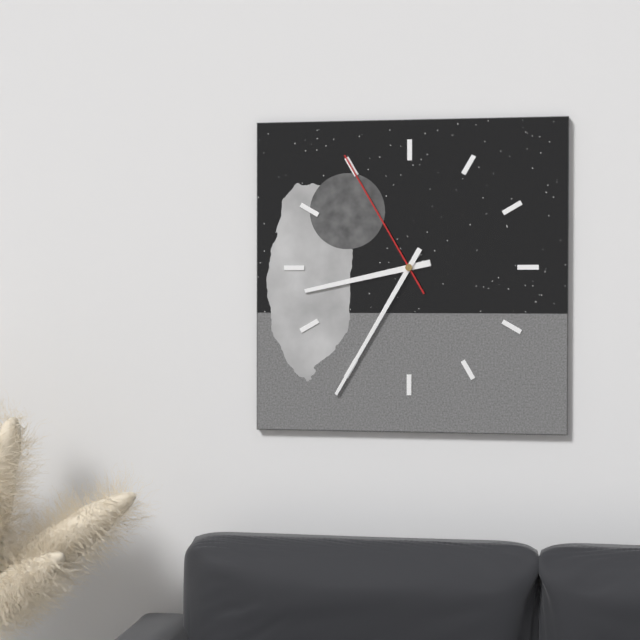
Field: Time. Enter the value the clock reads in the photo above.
8:35:55
